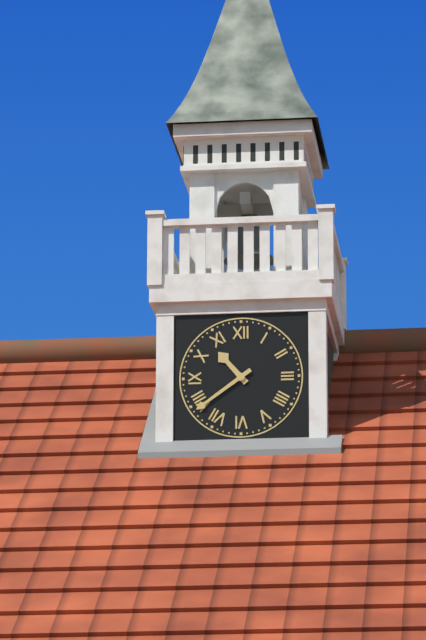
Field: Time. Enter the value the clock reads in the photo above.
10:39
